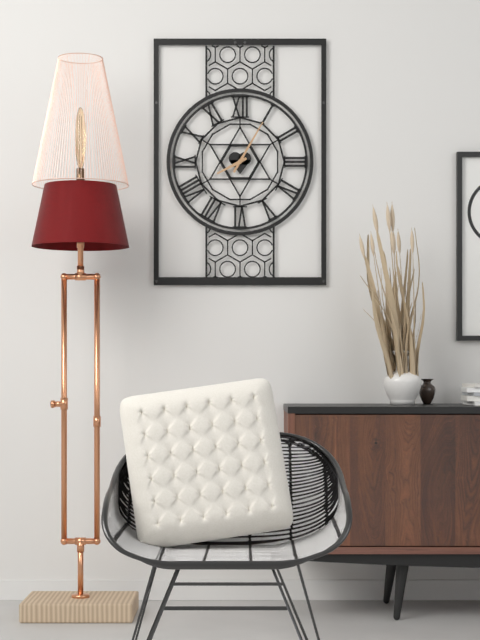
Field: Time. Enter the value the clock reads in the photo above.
8:05
